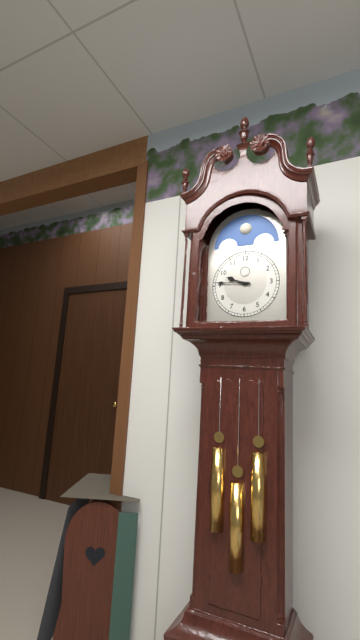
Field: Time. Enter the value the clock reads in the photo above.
9:46
